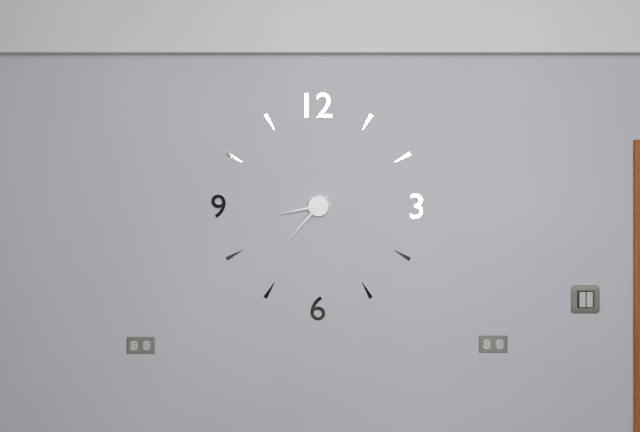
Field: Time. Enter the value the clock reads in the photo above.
8:37
